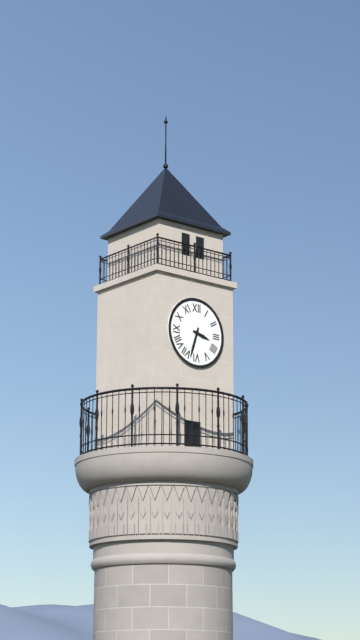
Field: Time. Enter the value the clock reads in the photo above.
3:33
